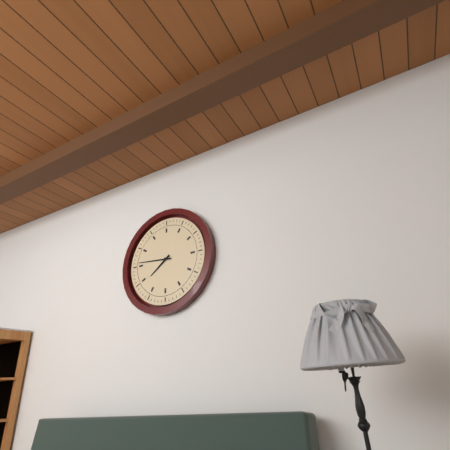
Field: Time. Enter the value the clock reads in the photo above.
7:46
